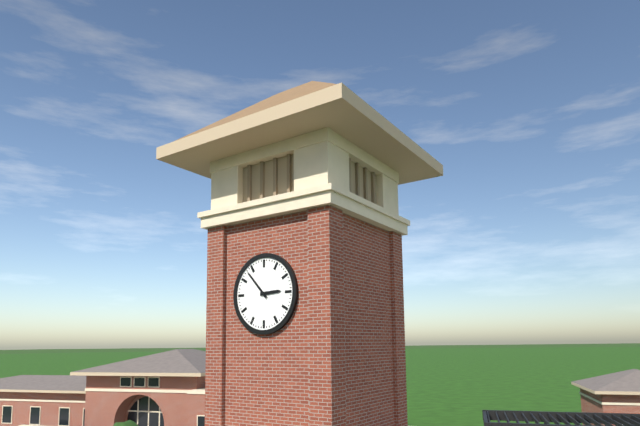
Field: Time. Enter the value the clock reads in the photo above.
2:53
